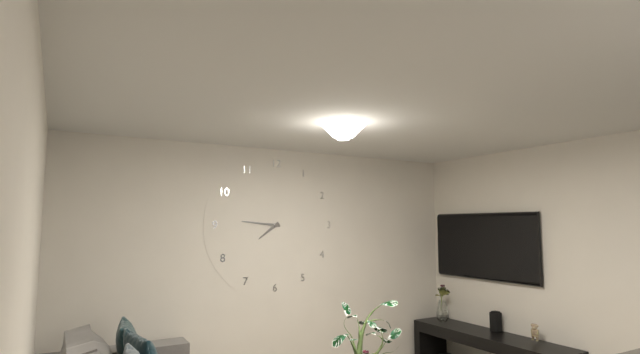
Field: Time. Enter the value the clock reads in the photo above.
7:46
